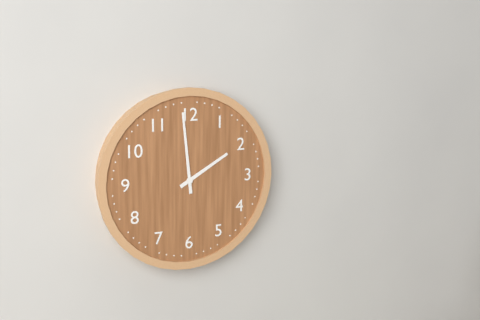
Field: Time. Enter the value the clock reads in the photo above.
1:59
